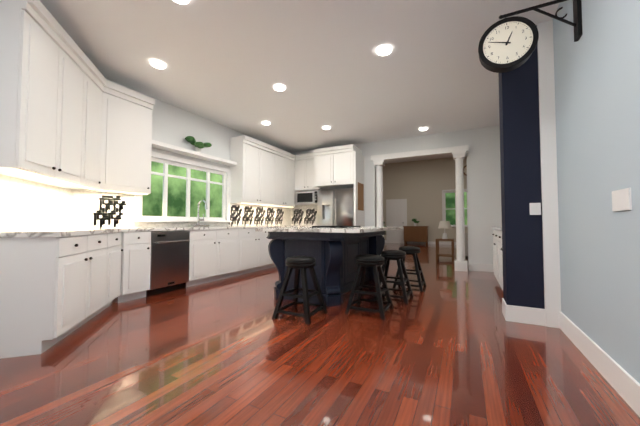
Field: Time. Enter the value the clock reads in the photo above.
12:48
